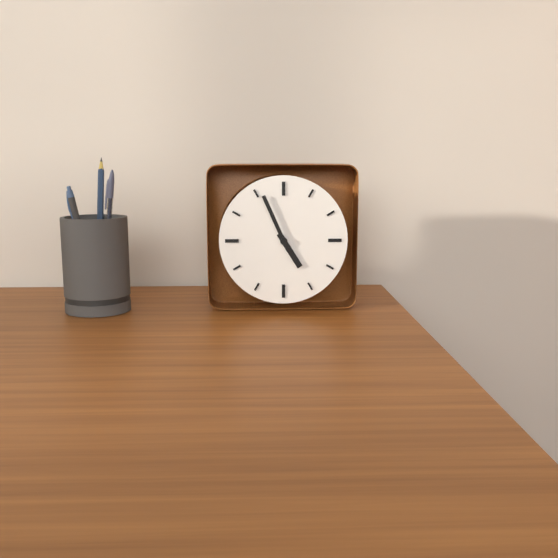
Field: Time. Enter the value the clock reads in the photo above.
4:56
